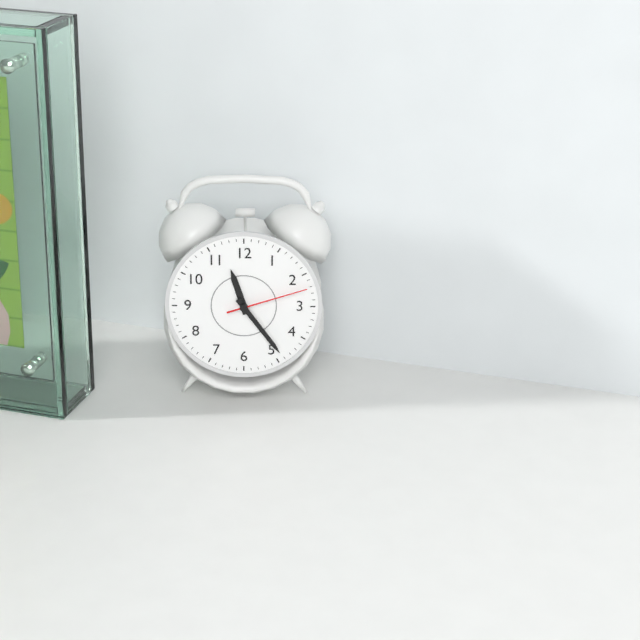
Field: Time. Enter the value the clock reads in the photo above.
11:24:12
